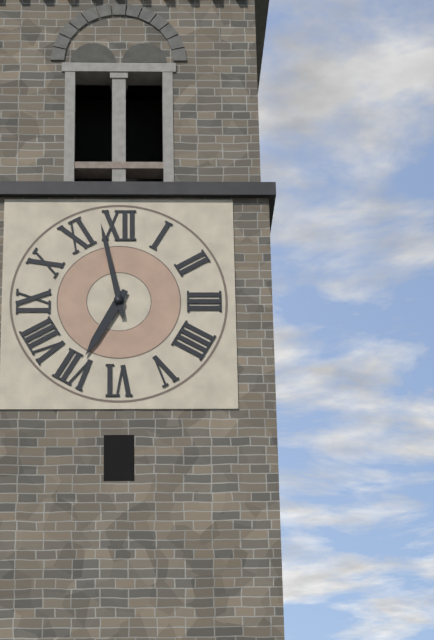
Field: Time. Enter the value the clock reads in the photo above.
6:58
